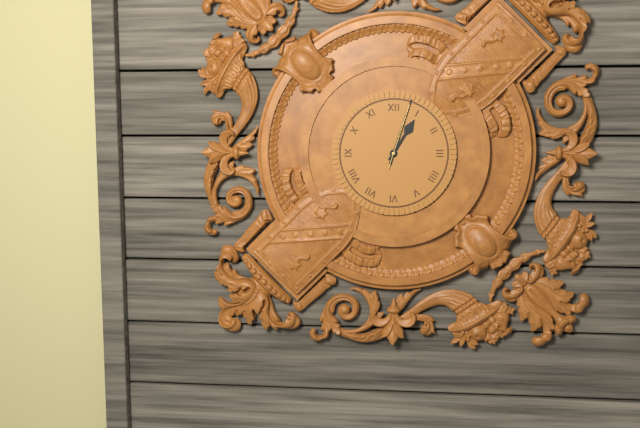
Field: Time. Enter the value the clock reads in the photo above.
1:03:03
